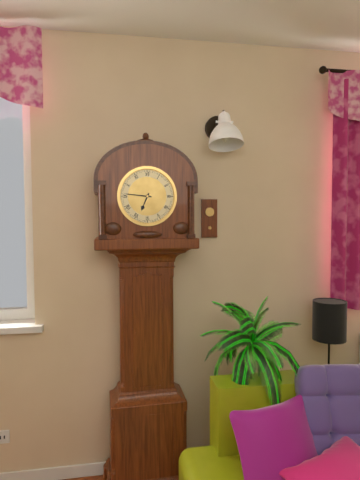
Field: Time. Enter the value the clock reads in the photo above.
6:46
